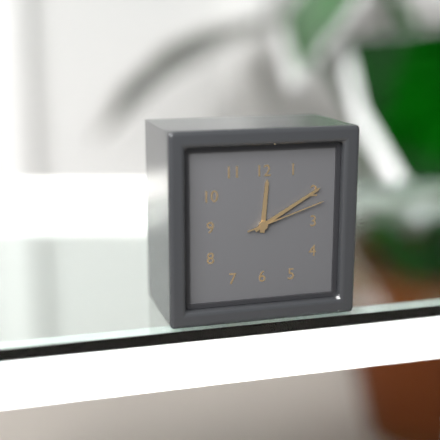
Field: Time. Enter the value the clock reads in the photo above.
12:10:12
